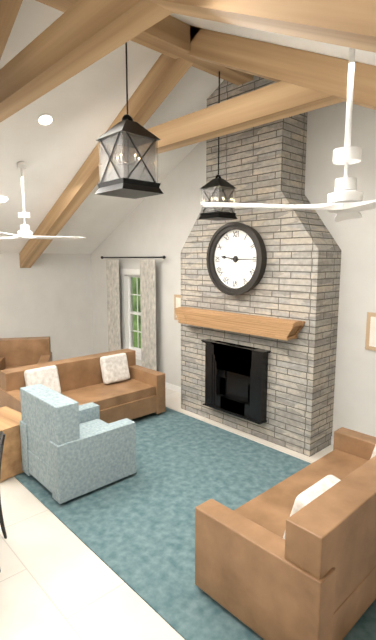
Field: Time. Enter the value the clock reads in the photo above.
9:15
